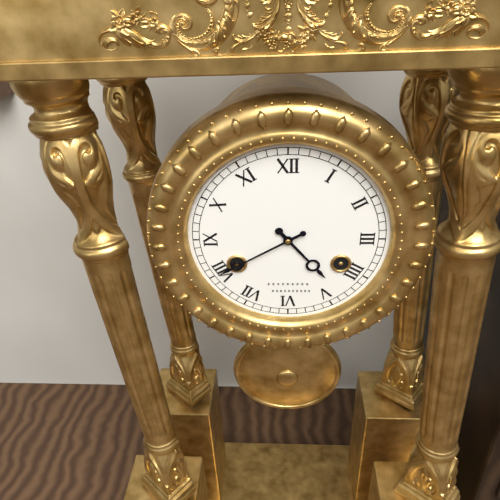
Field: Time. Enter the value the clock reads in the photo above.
4:40
